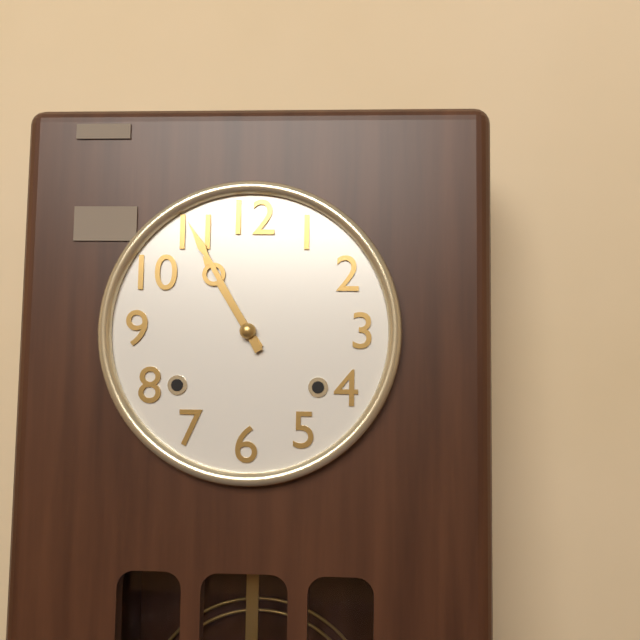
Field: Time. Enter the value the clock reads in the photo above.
10:55
